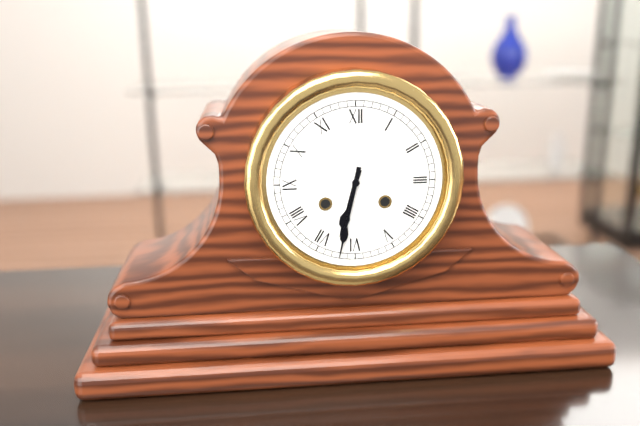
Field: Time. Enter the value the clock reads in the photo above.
6:32
